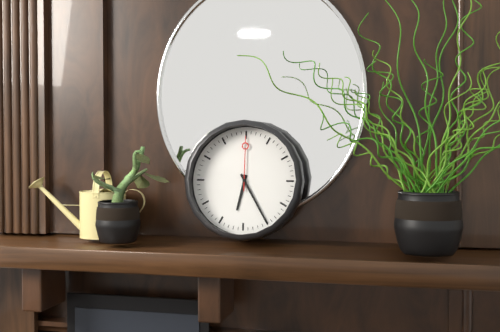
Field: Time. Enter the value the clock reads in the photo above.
6:25:00
